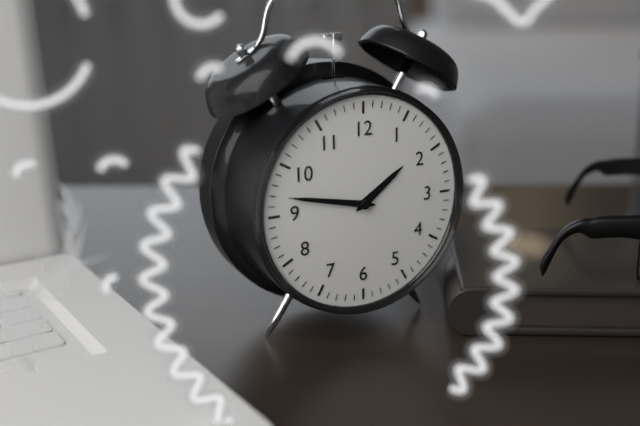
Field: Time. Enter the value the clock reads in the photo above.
1:47
